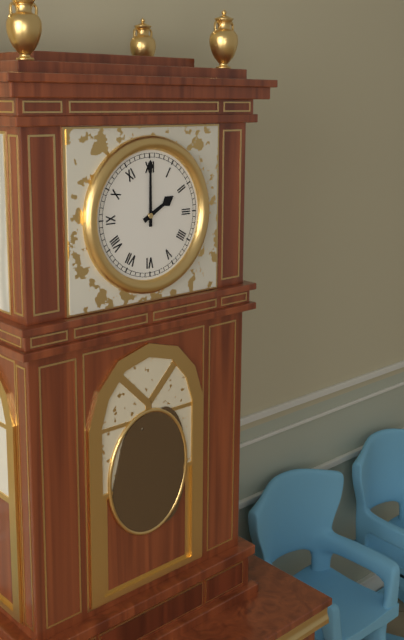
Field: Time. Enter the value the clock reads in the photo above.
2:00
